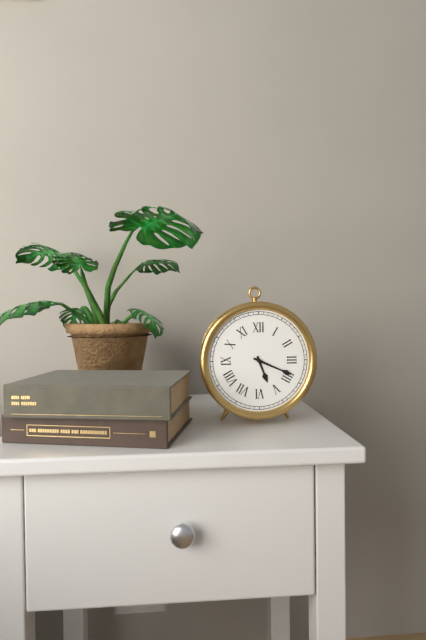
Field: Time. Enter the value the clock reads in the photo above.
5:19
